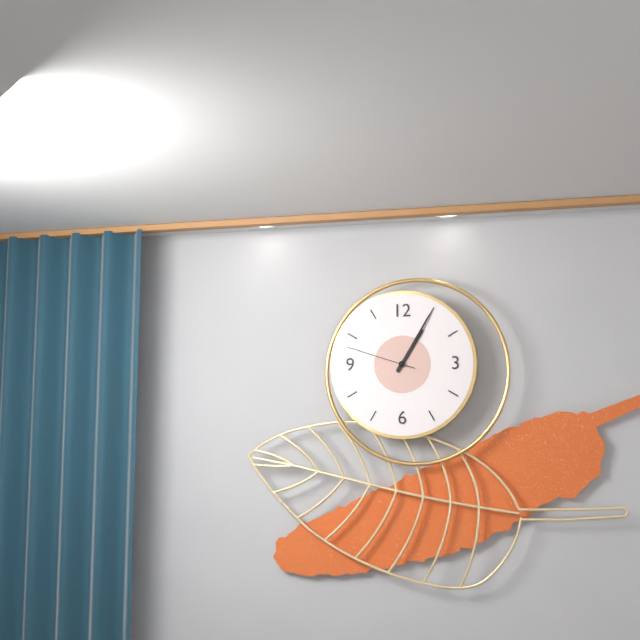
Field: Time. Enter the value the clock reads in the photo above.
1:05:48
